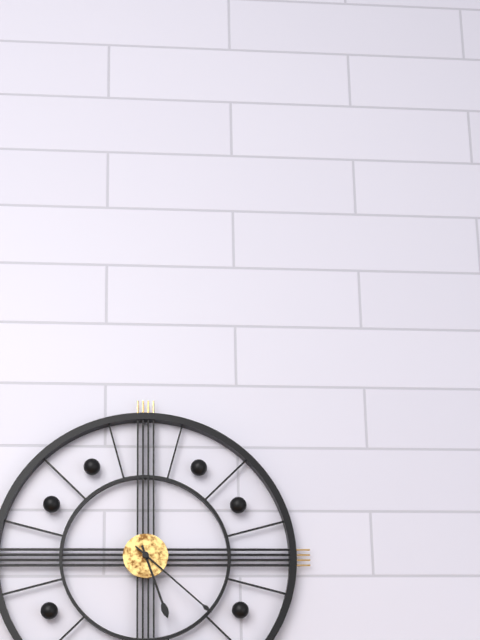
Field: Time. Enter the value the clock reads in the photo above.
5:22
